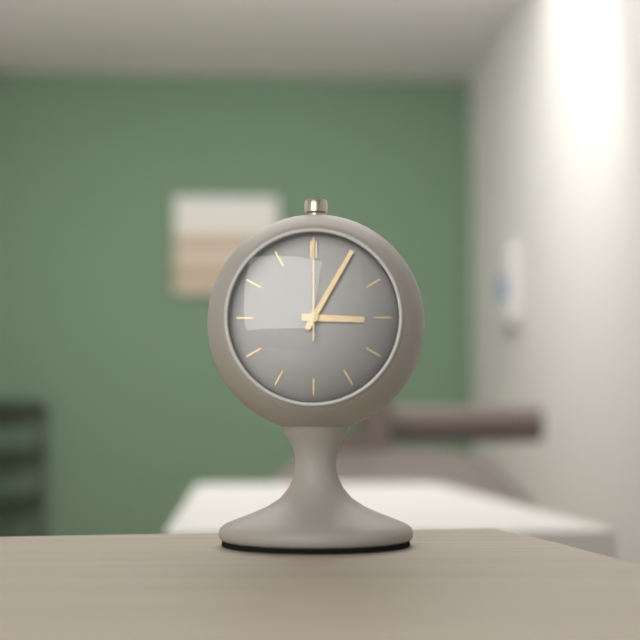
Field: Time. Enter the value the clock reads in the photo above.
3:05:00
